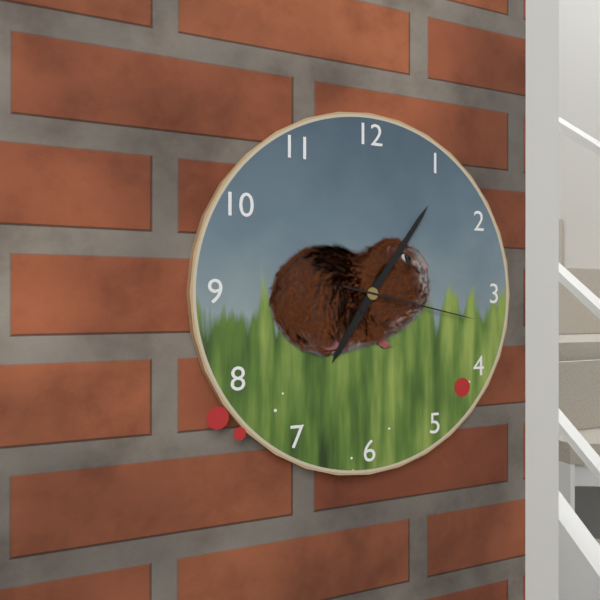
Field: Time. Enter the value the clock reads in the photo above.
7:06:17
